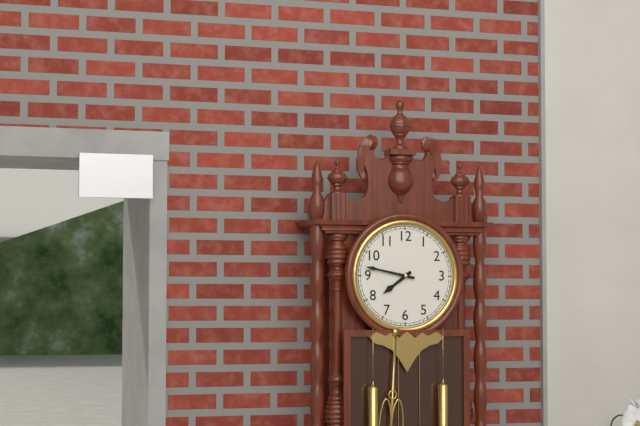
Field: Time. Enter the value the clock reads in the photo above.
7:47
